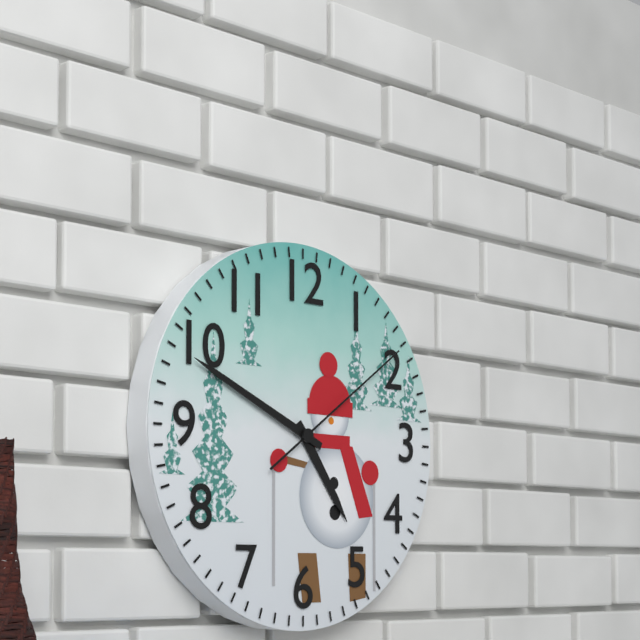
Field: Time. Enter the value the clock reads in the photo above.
4:49:09
